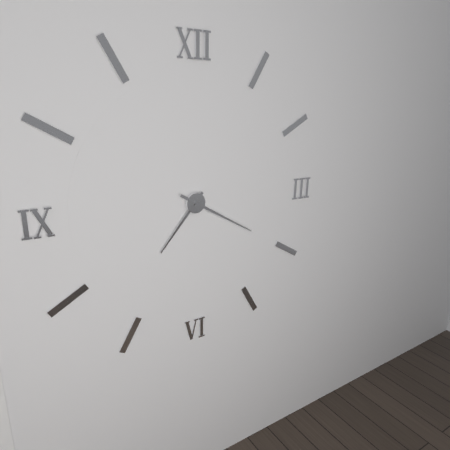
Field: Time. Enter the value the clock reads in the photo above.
7:20
